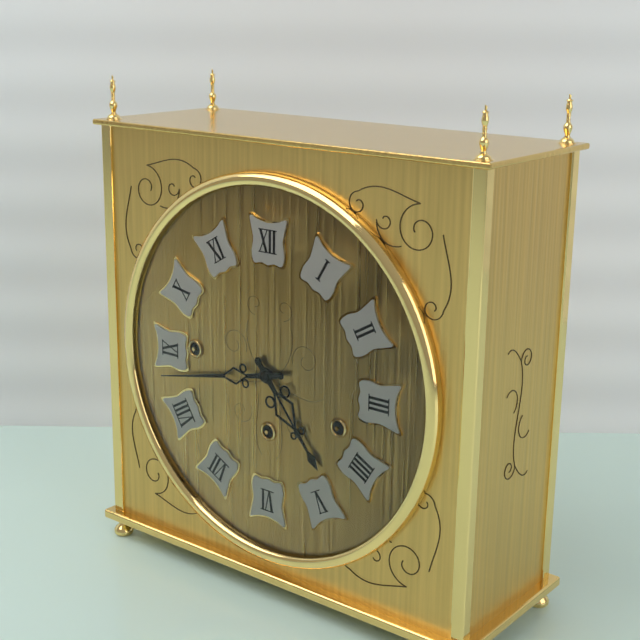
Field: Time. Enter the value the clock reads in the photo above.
4:43
